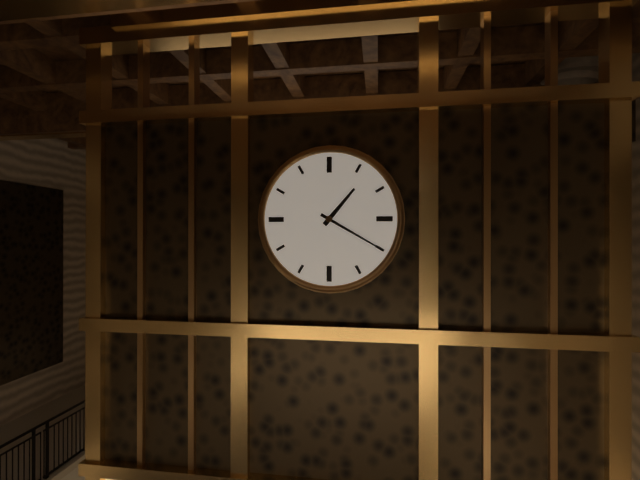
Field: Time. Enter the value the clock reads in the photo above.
1:20
